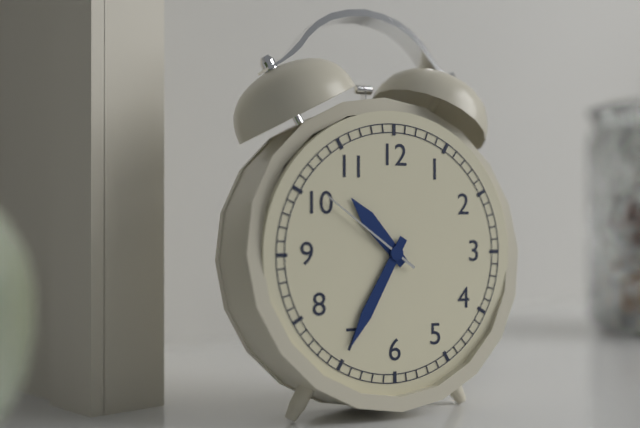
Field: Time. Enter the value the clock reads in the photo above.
10:35:51
